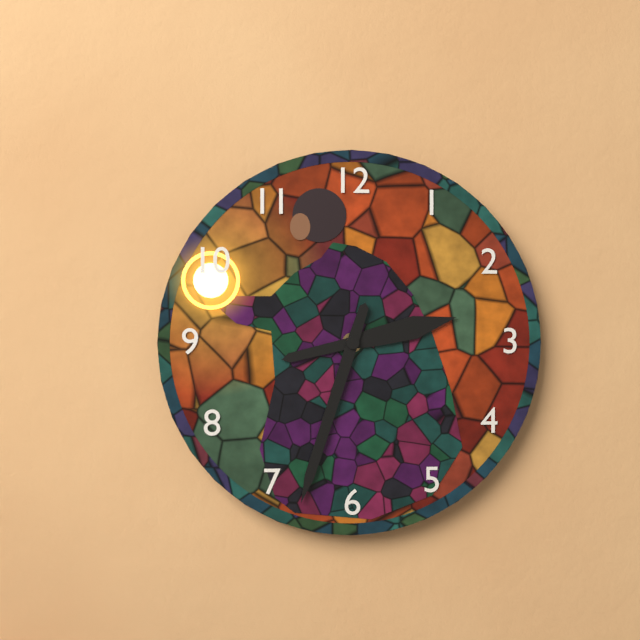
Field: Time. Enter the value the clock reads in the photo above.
2:33
